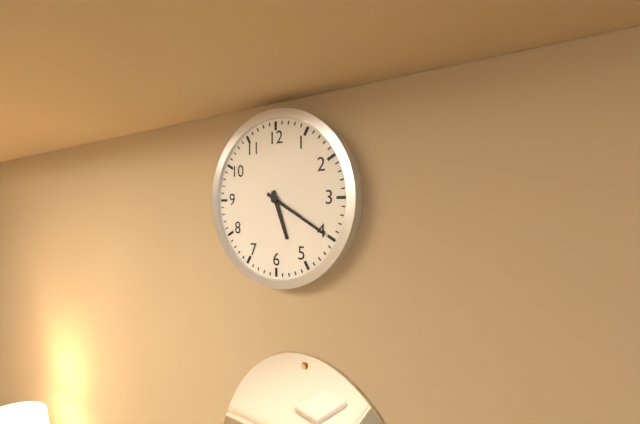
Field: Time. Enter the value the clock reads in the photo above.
5:20
